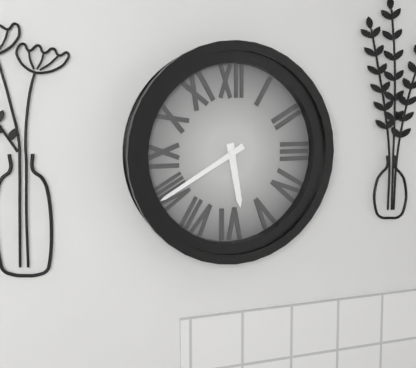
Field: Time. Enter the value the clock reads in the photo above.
5:40
